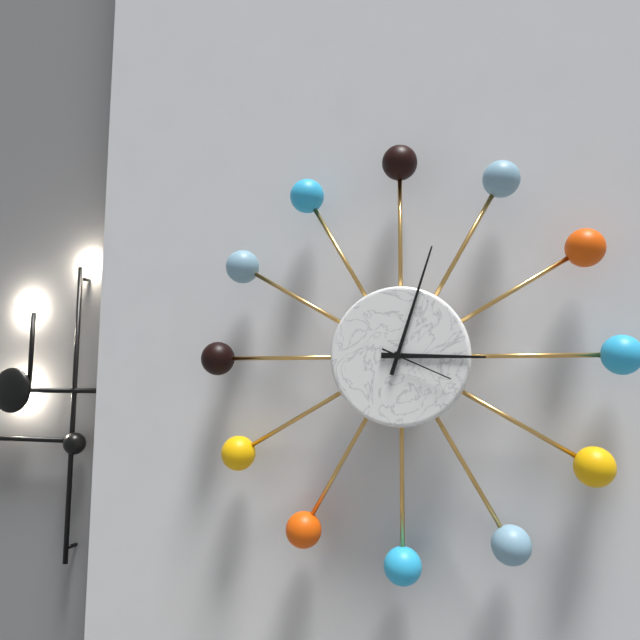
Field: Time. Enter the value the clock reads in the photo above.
3:03:19
